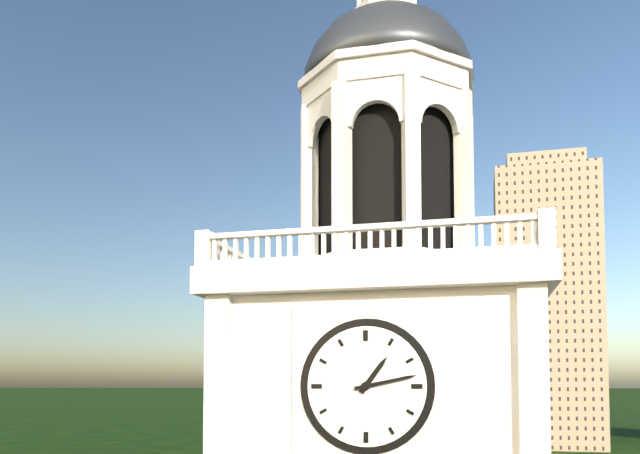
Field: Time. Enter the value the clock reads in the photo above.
1:13
